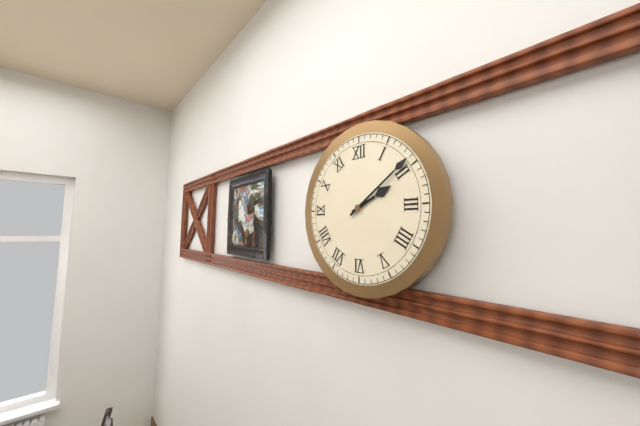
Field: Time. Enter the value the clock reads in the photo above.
2:09
